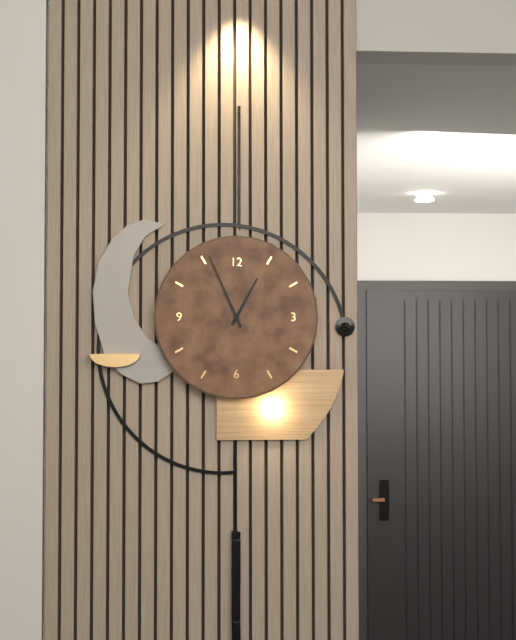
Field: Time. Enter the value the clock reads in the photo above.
12:56
